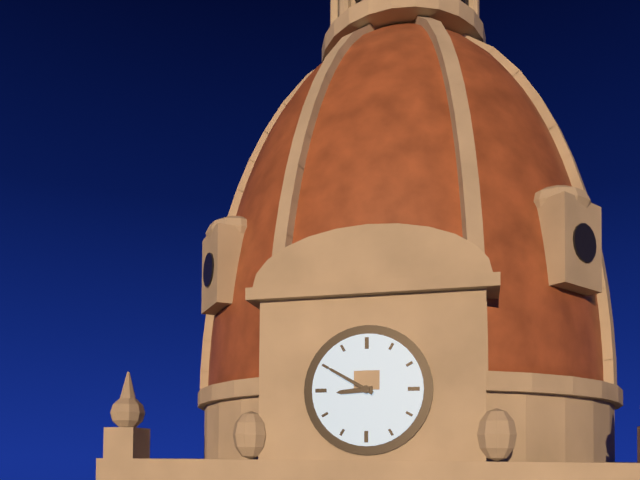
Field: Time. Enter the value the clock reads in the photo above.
8:50
